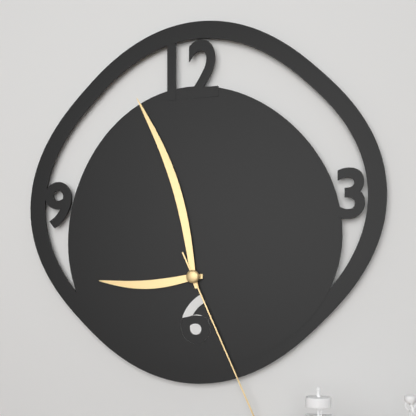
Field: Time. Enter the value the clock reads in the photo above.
8:57
